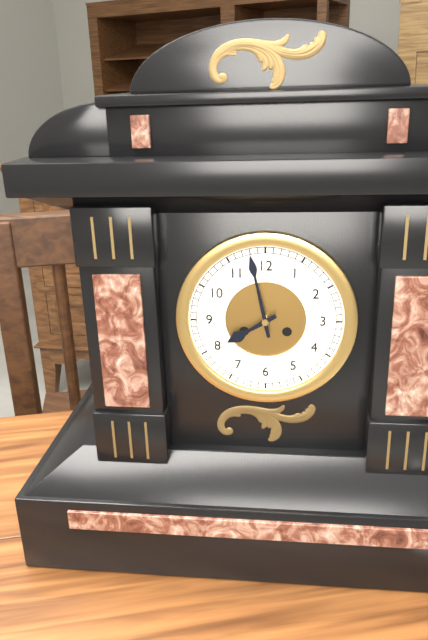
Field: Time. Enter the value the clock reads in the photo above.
7:58
